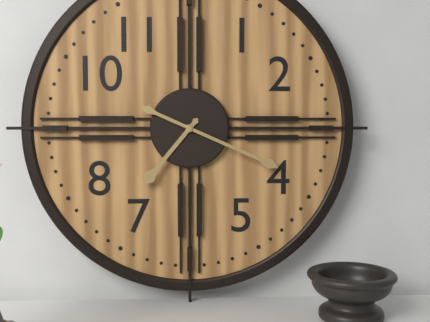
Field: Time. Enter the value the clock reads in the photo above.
7:19
